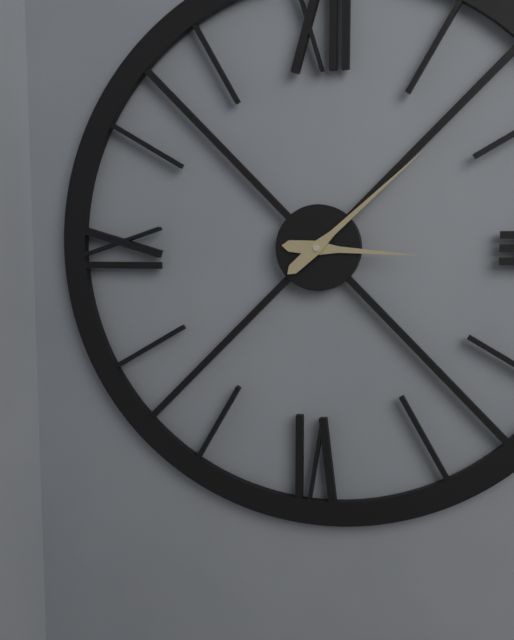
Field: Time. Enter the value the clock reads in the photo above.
3:08
